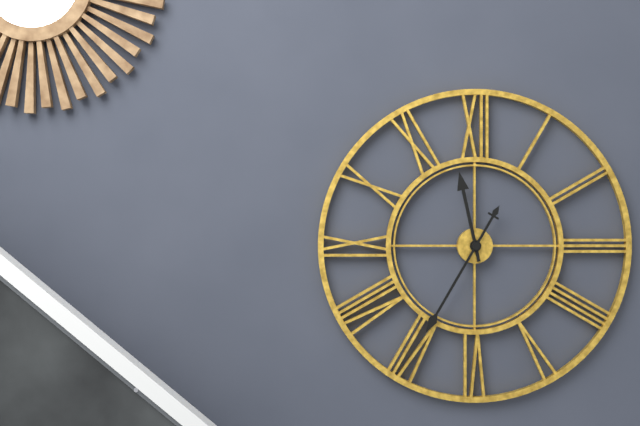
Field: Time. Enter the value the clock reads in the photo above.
11:35
